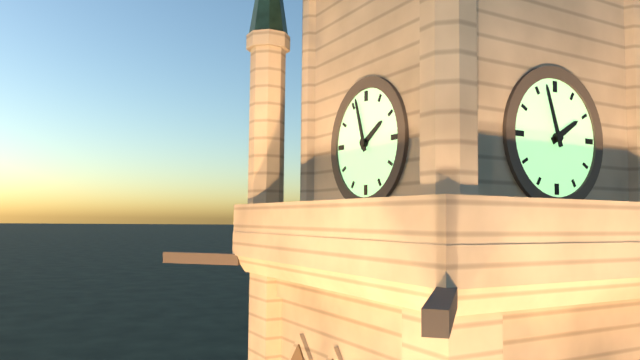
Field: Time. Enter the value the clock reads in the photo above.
1:57
